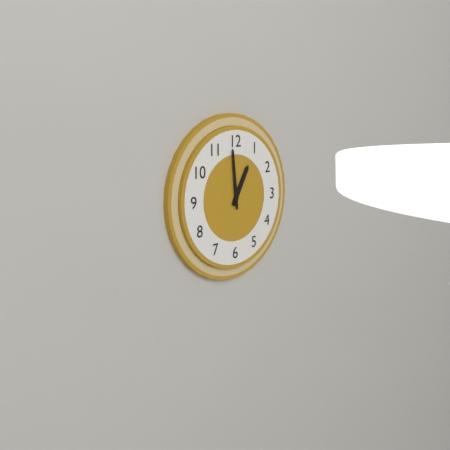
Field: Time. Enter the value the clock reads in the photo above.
12:59
